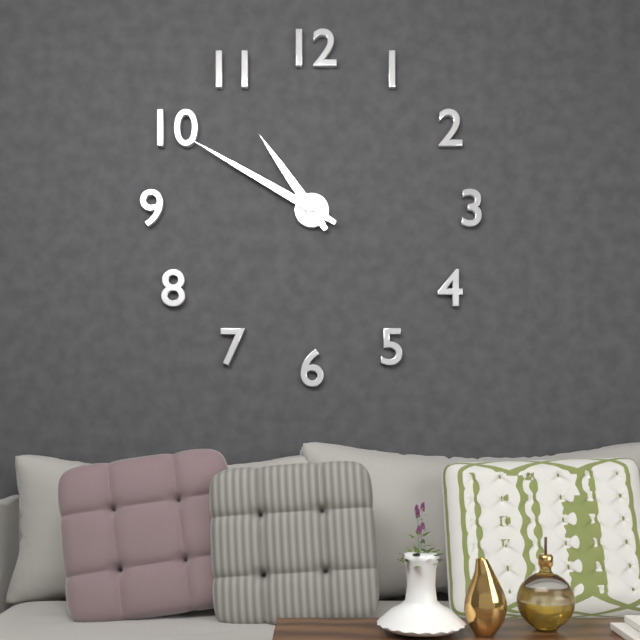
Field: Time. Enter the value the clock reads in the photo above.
10:50
